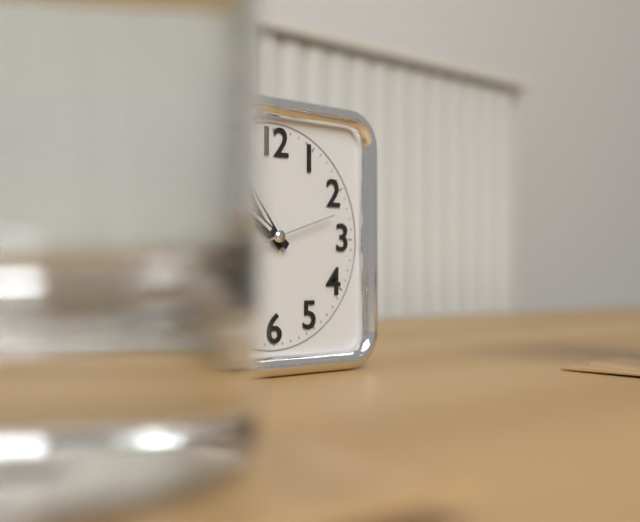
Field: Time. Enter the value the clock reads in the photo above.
10:51:12
